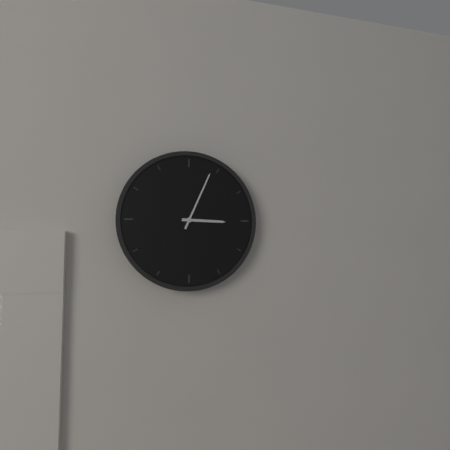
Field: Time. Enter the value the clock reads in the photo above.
3:04
